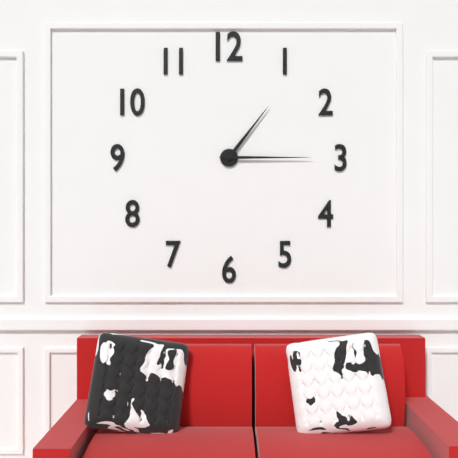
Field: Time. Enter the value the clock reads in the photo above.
1:15
